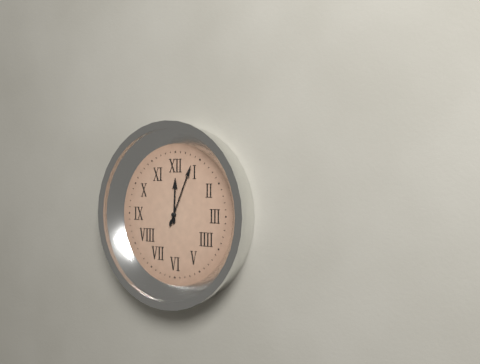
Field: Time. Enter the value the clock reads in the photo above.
12:04
